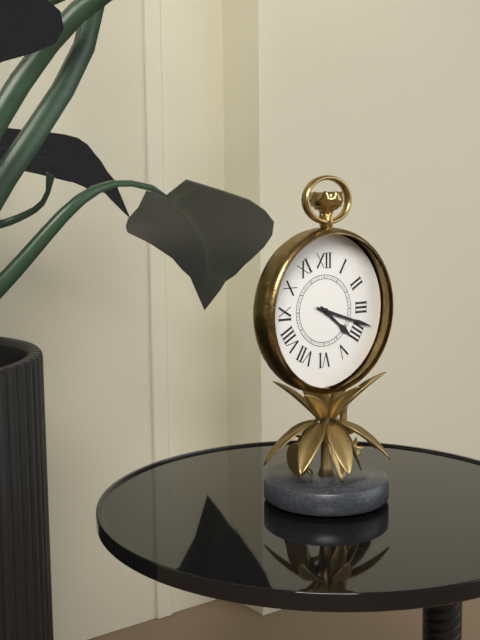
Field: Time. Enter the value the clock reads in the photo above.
4:18
